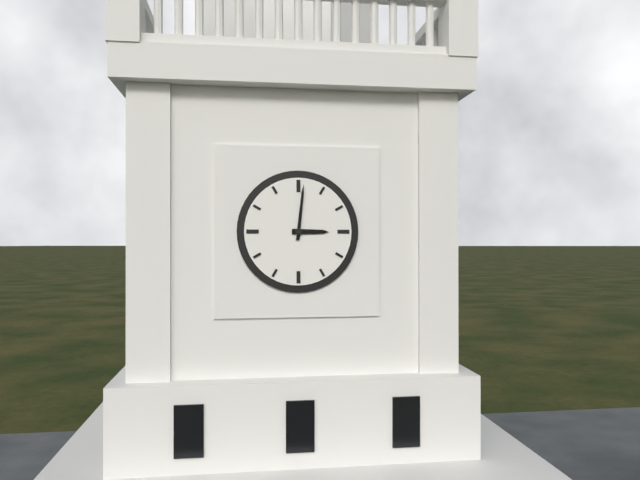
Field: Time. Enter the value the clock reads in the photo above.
3:01
